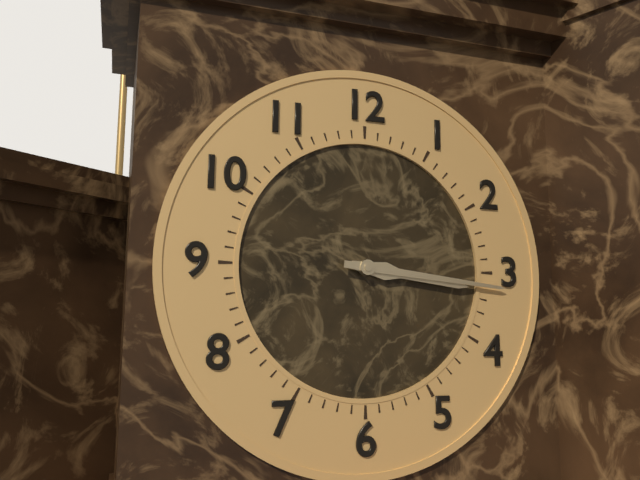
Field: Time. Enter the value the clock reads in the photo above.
3:16
